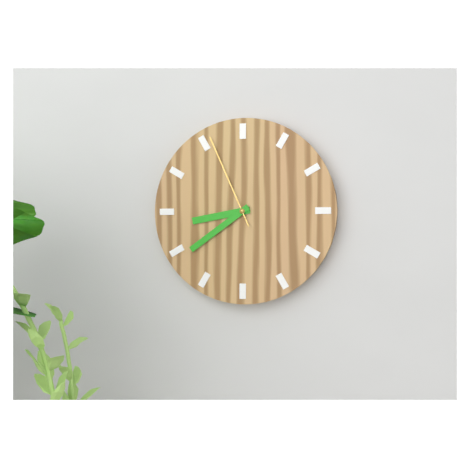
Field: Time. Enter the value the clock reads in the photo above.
8:39:56
